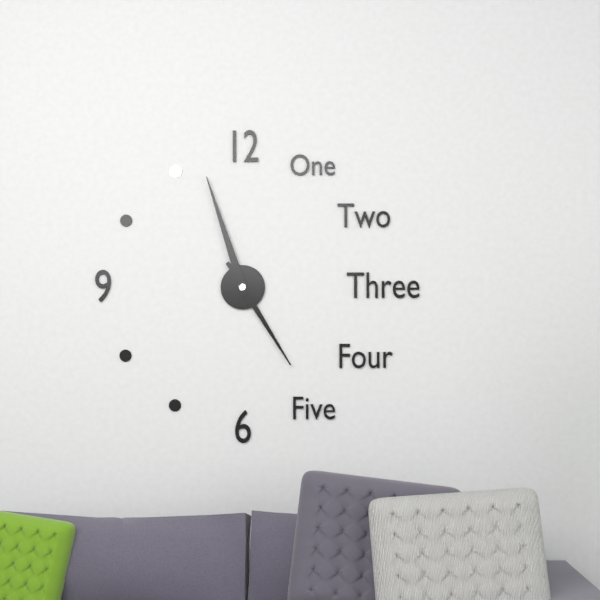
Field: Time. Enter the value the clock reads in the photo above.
4:57
